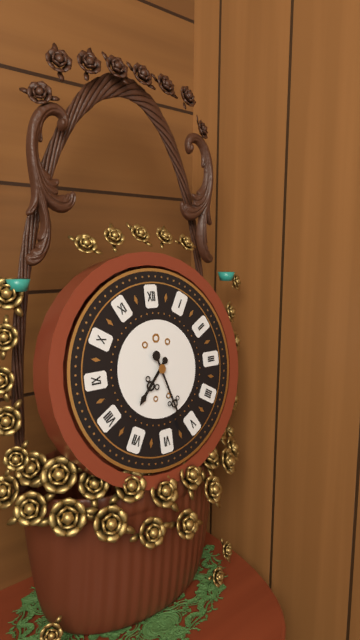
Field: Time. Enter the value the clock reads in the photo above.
7:27
